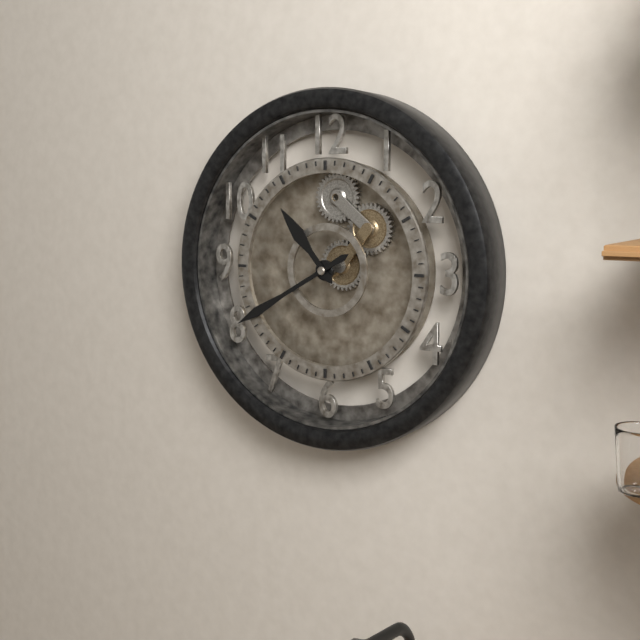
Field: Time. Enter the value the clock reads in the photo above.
10:40
